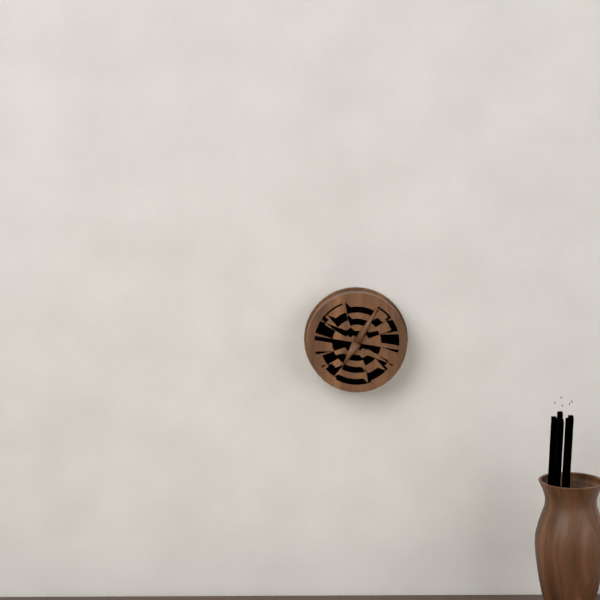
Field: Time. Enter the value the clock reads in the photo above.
7:05
